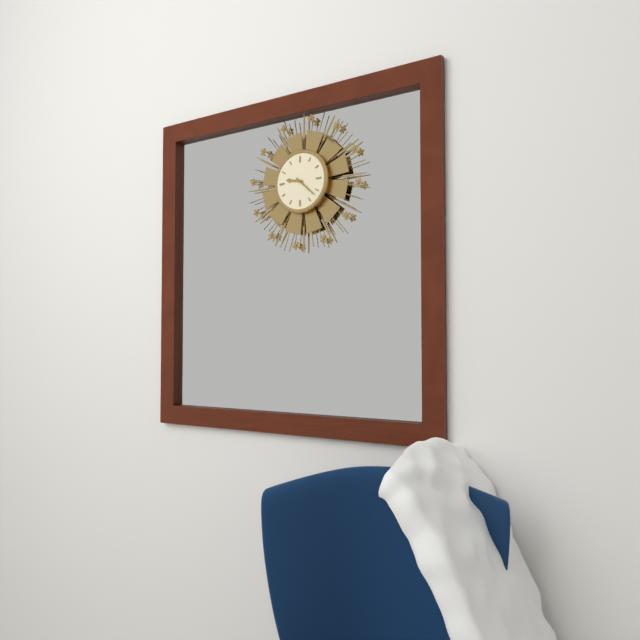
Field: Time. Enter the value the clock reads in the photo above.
9:22
